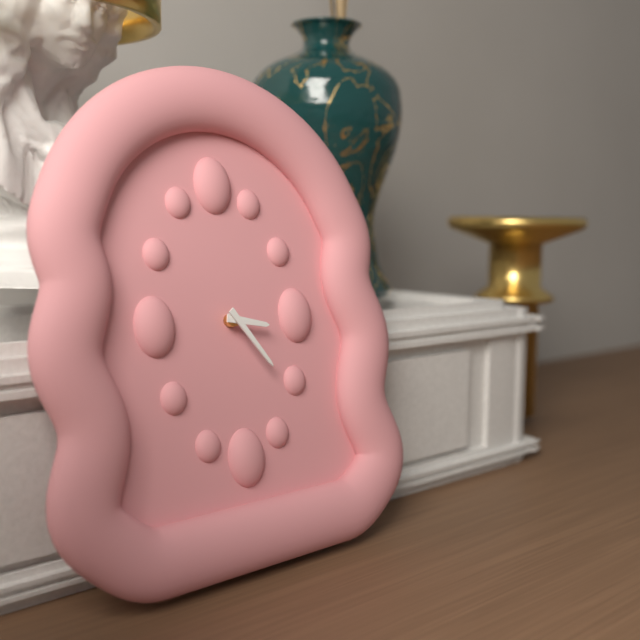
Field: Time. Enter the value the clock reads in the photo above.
3:24
